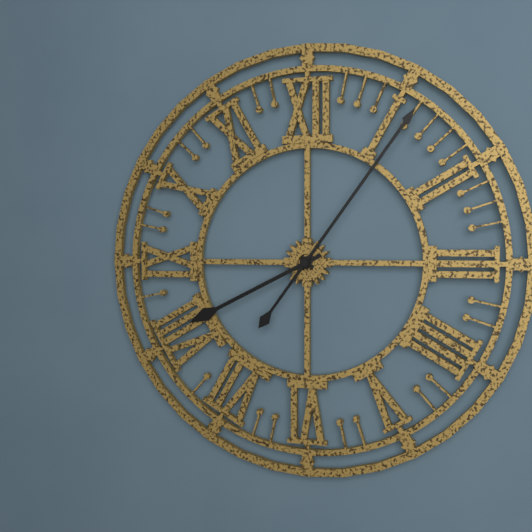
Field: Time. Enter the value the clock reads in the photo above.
8:06
